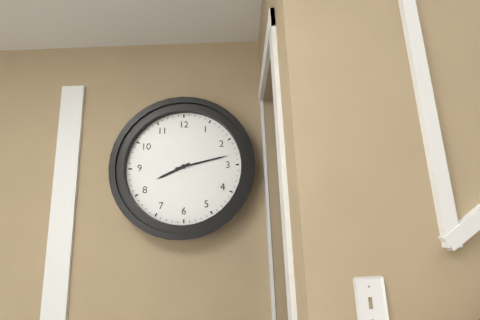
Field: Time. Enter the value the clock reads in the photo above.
8:13
